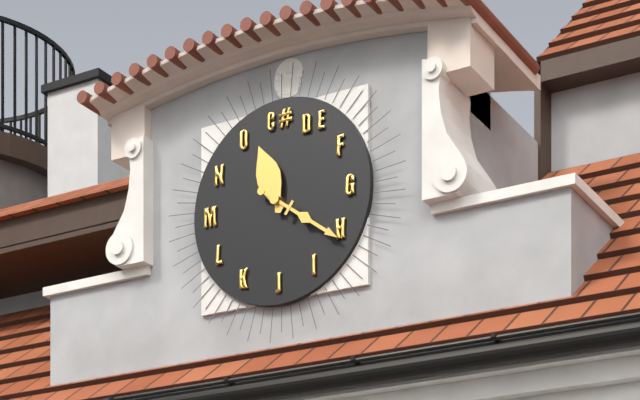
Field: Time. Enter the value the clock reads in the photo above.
11:21
